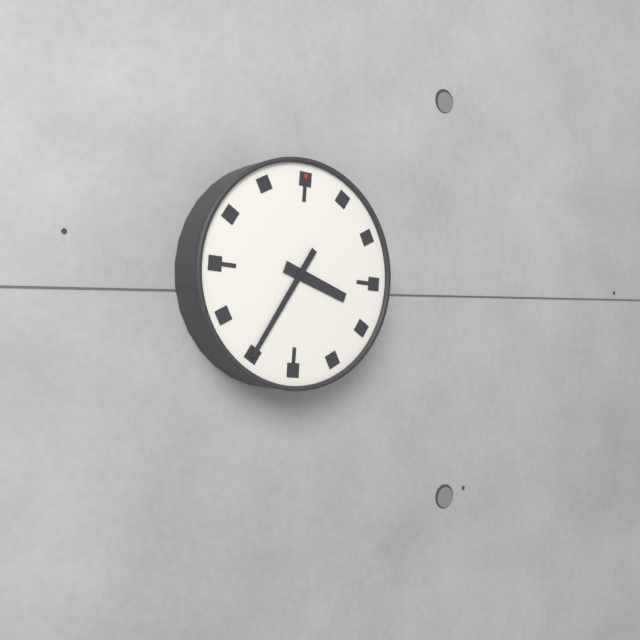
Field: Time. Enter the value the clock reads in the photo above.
3:35
